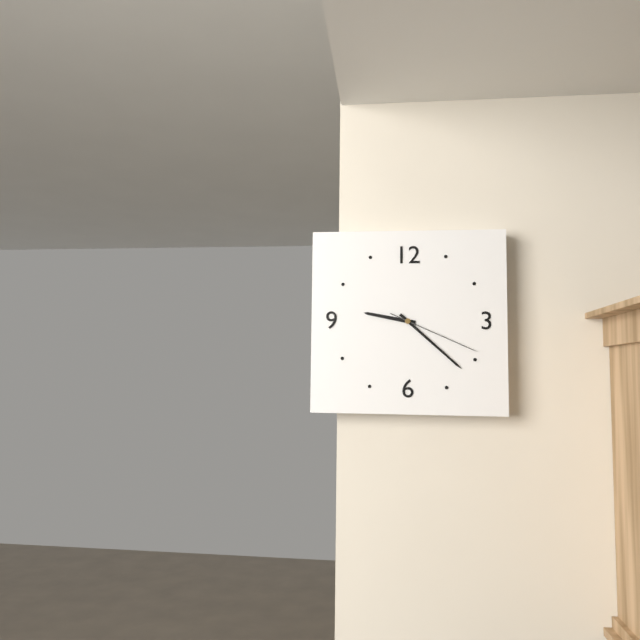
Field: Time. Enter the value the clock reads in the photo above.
9:22:19
